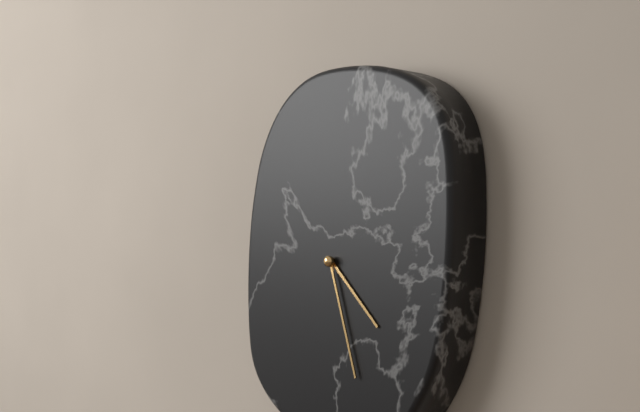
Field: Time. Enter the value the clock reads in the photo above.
4:27
